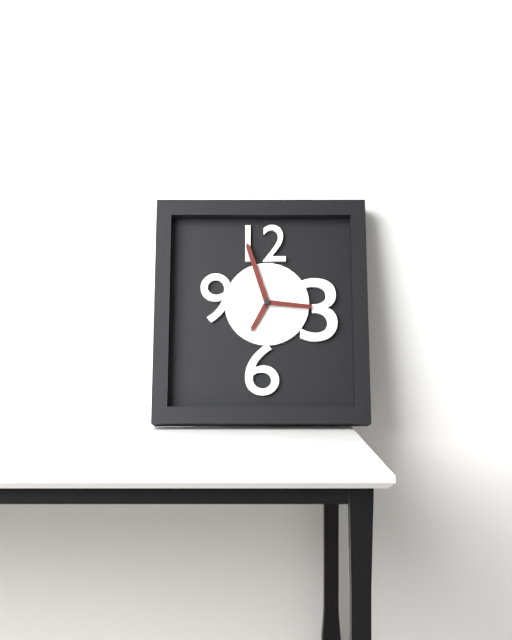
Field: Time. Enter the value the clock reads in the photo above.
6:57:16
